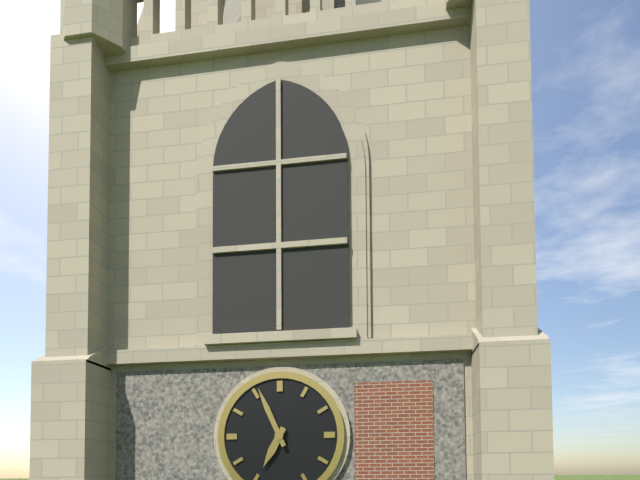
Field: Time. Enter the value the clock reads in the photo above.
6:56
